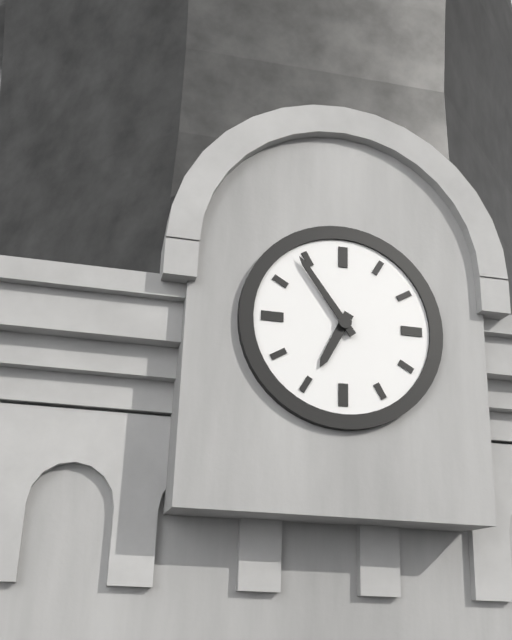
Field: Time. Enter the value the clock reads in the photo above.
6:54
